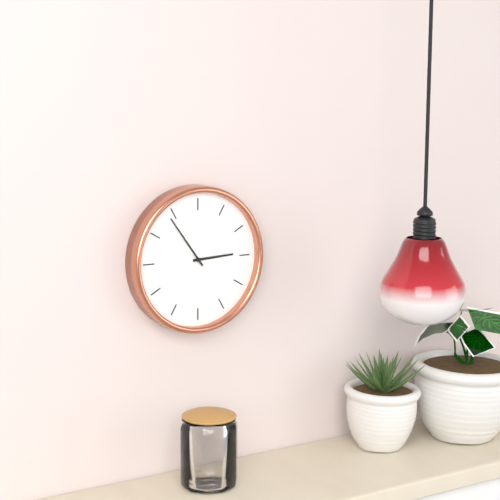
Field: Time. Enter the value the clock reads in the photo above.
2:54
